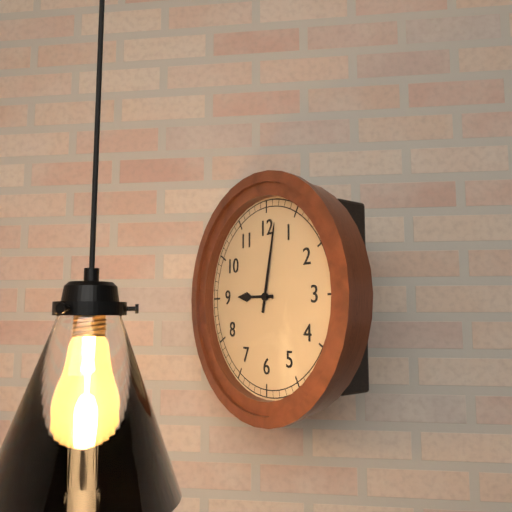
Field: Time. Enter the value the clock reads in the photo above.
9:02
